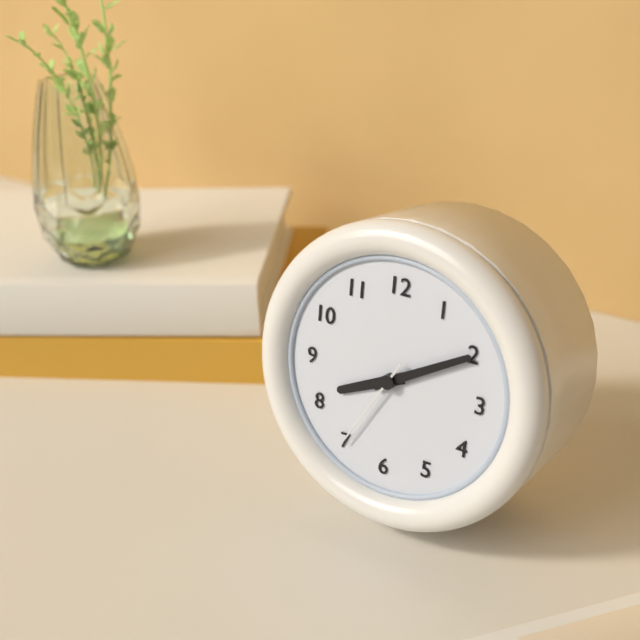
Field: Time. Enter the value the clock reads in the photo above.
8:10:35
